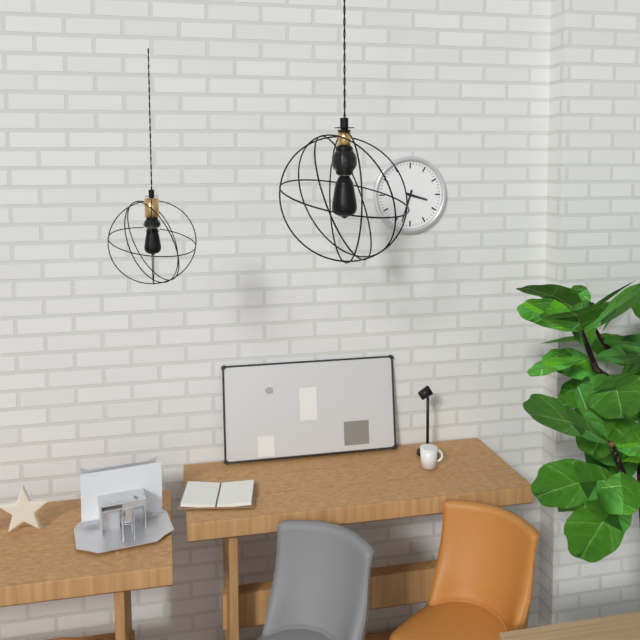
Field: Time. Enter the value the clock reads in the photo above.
3:33
